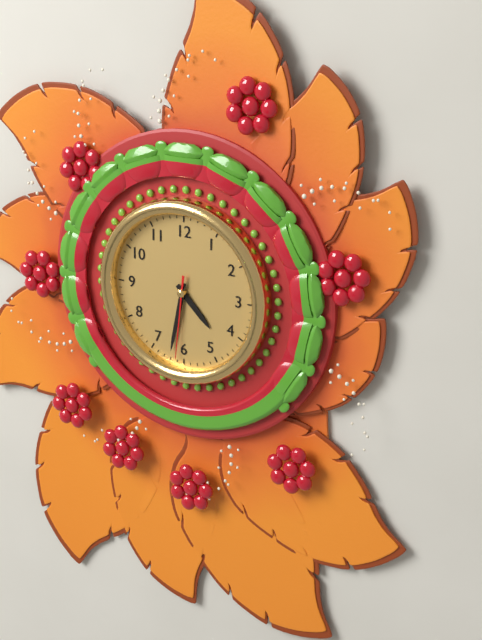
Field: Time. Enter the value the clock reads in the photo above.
4:32:31
